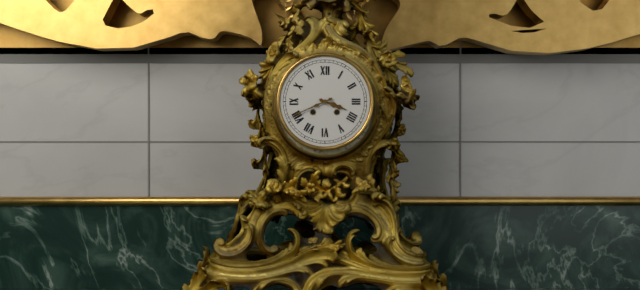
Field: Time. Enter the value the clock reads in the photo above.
3:41
